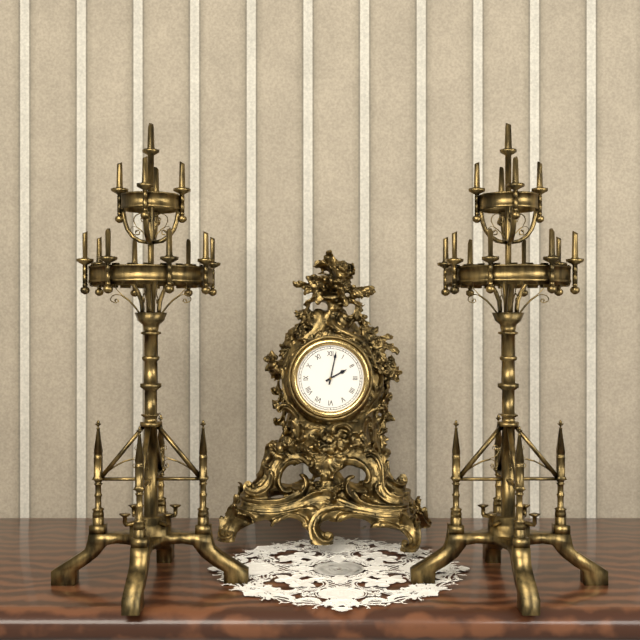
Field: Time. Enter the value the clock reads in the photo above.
2:02
